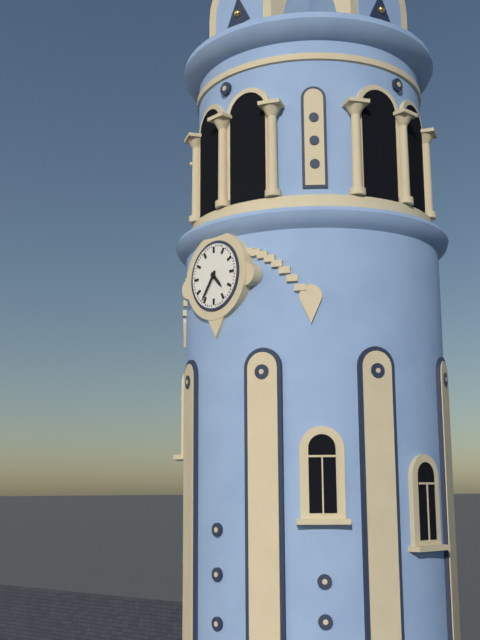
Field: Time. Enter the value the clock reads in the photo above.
4:36
